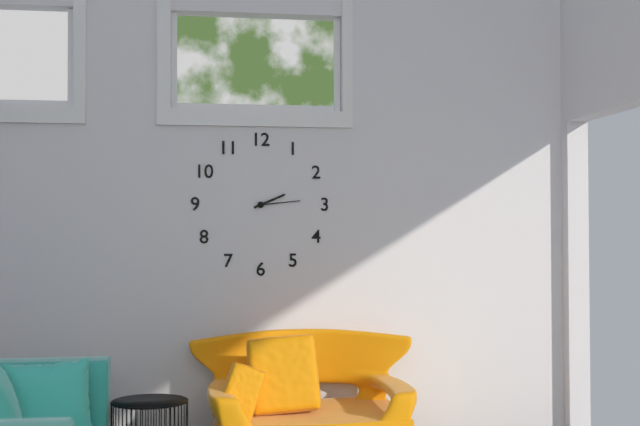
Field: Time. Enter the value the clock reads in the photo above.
2:14
